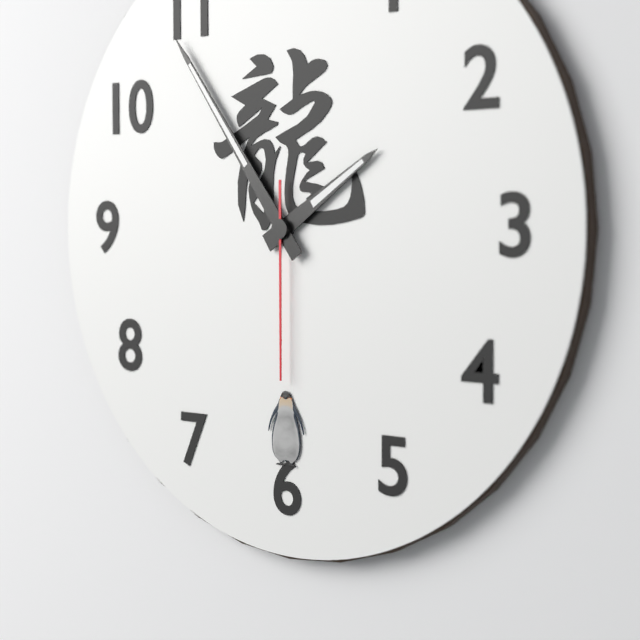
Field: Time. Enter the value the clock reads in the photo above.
1:54:30
